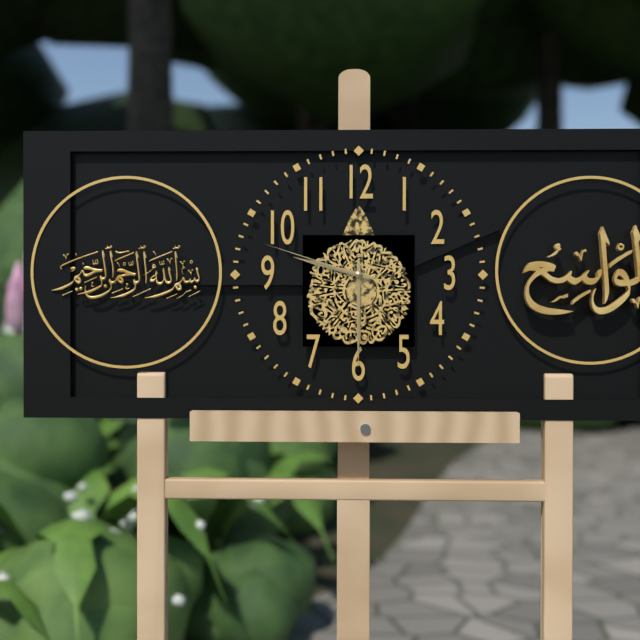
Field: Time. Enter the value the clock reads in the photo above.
9:30:48
